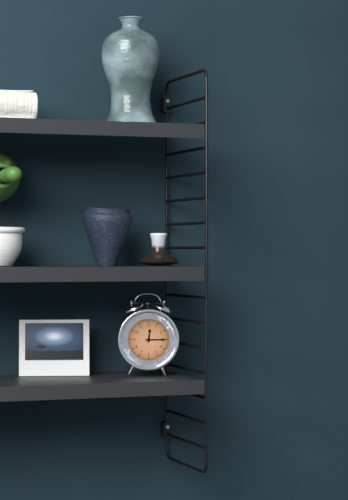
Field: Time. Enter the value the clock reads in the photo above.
12:15
